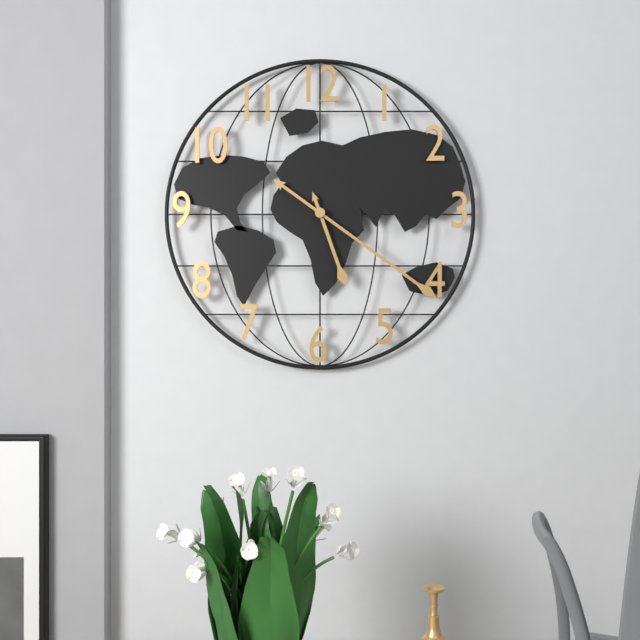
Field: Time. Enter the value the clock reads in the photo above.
5:21
